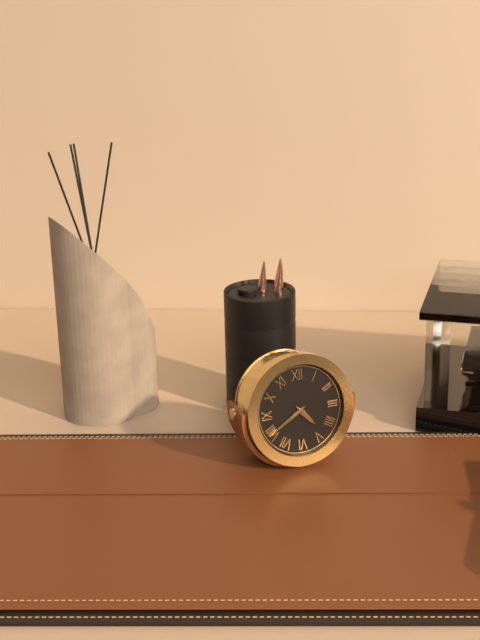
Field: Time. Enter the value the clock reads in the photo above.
4:40
